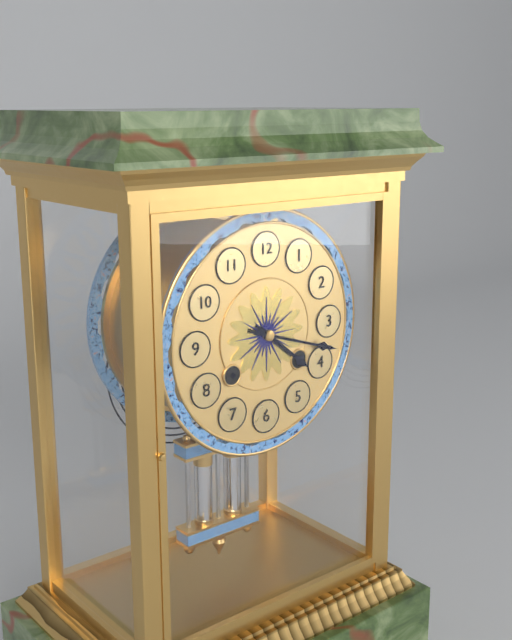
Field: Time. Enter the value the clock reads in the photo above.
4:18
